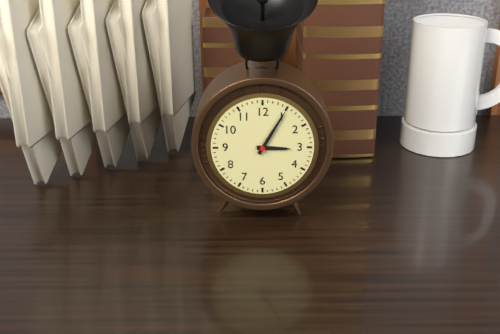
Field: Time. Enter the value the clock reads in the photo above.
3:05
